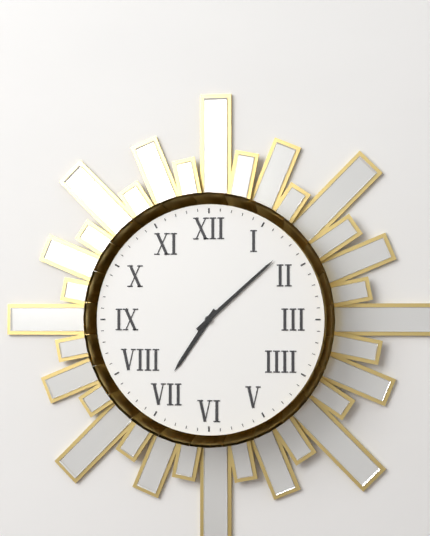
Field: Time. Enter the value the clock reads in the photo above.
7:08
